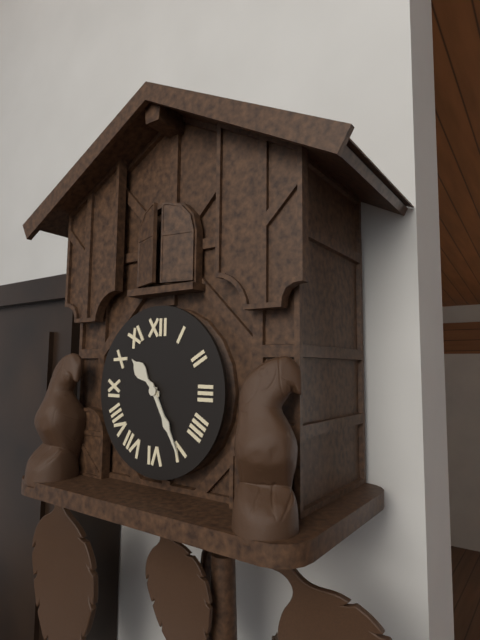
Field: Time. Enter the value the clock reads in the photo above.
10:25
